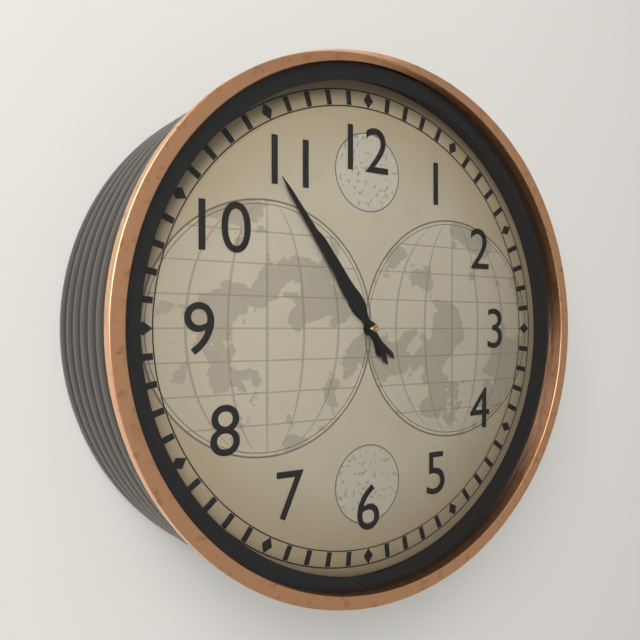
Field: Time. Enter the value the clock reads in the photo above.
10:54
